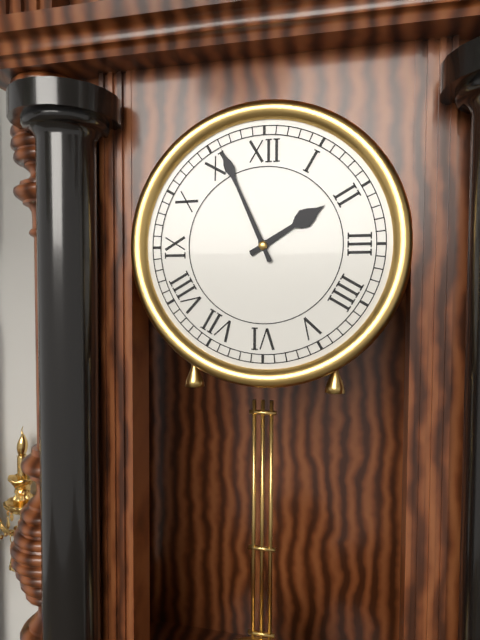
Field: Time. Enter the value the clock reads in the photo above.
1:56
